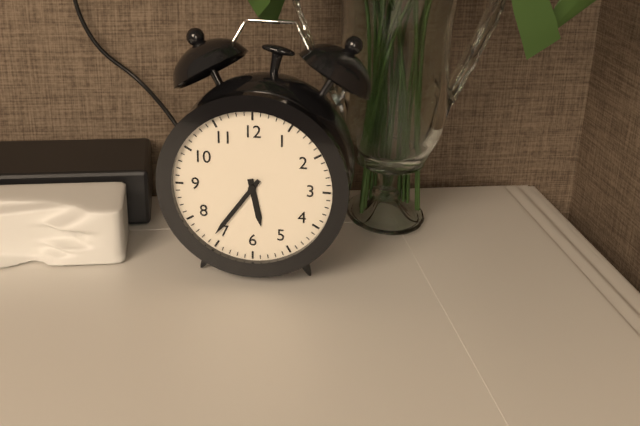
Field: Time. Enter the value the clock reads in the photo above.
5:36
